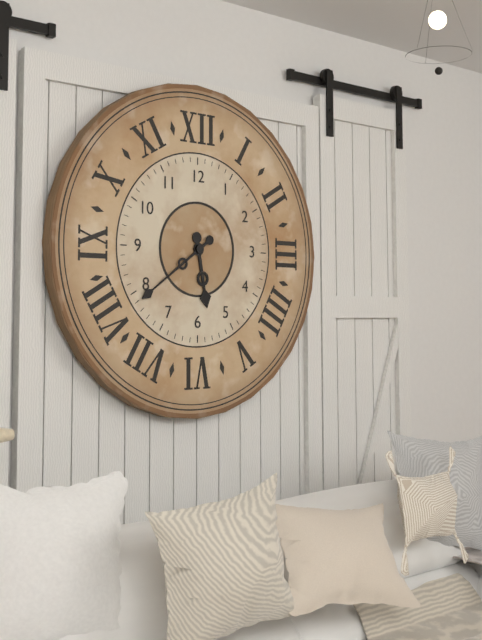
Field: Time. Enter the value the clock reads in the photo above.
5:39
